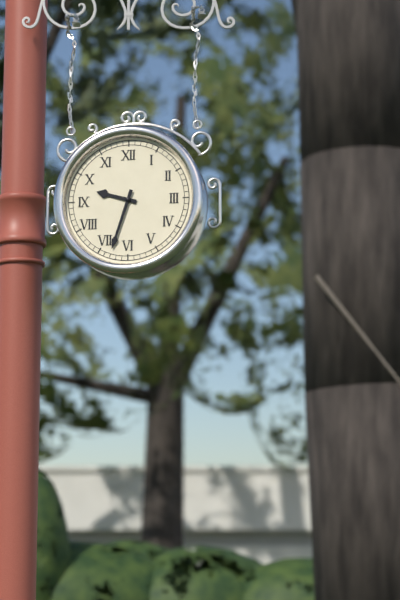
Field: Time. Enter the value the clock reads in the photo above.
9:33
